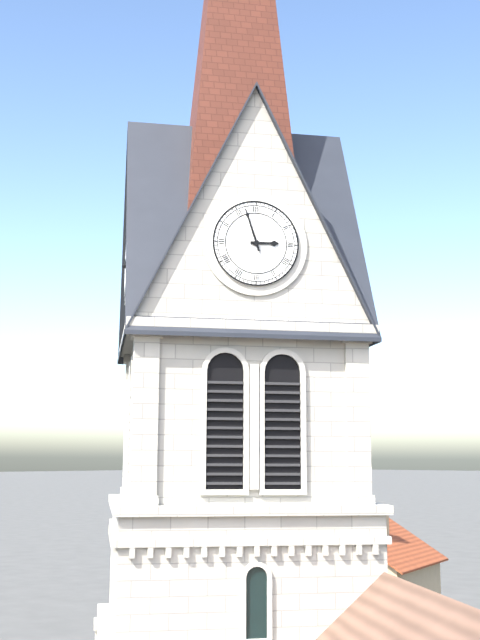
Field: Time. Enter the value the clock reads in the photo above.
2:57
